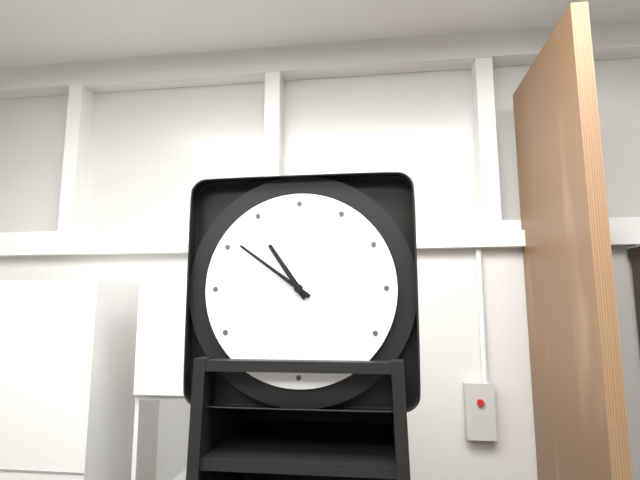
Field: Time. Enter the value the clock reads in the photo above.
10:51
